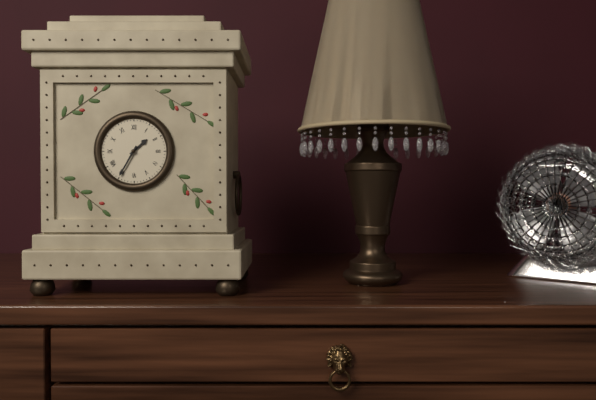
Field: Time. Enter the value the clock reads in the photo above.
1:35
